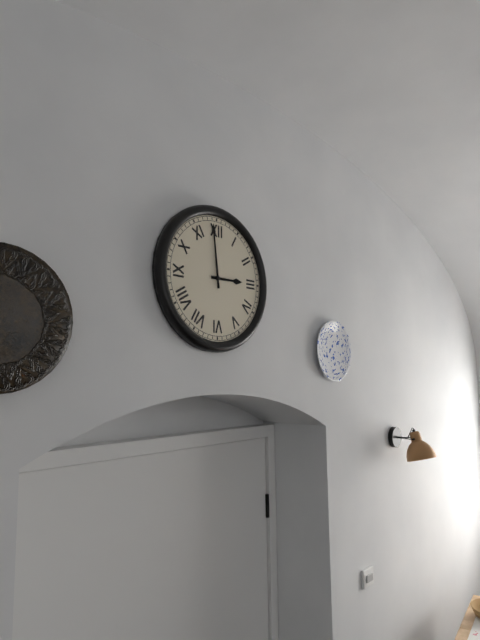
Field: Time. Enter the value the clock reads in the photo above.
2:59
